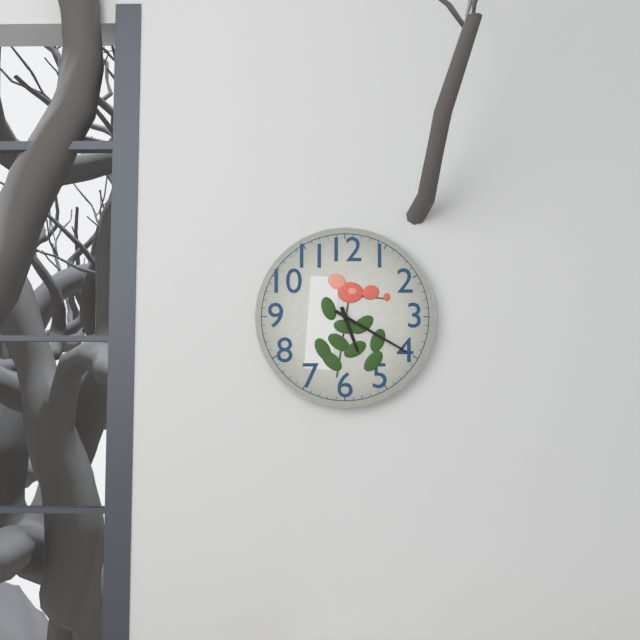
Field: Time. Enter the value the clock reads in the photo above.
5:20
